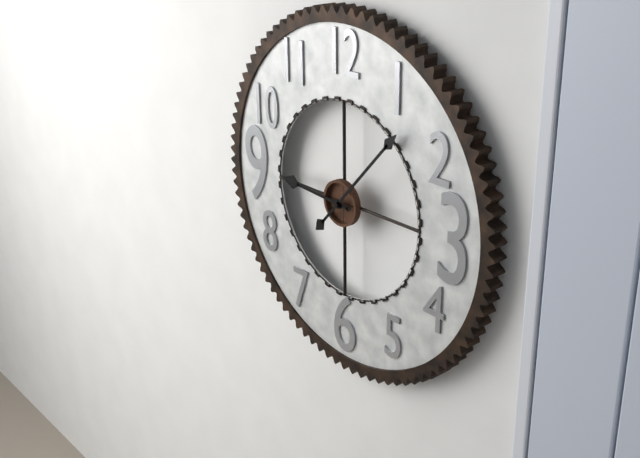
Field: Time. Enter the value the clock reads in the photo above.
9:07
